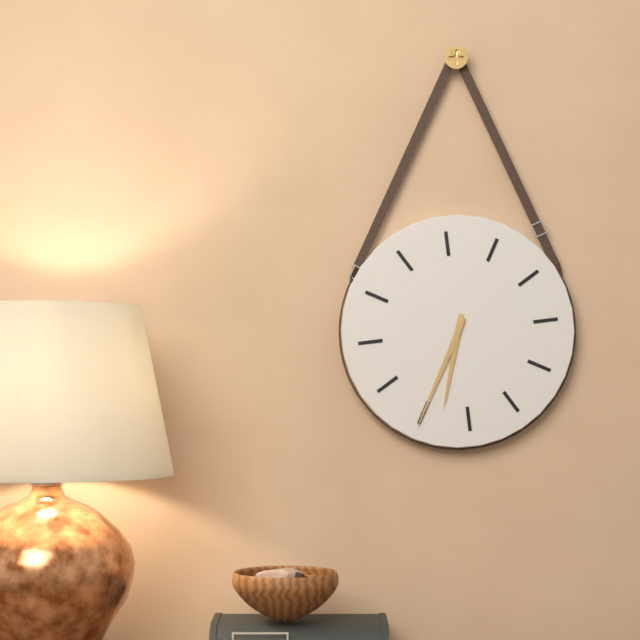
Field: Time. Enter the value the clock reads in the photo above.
6:35
